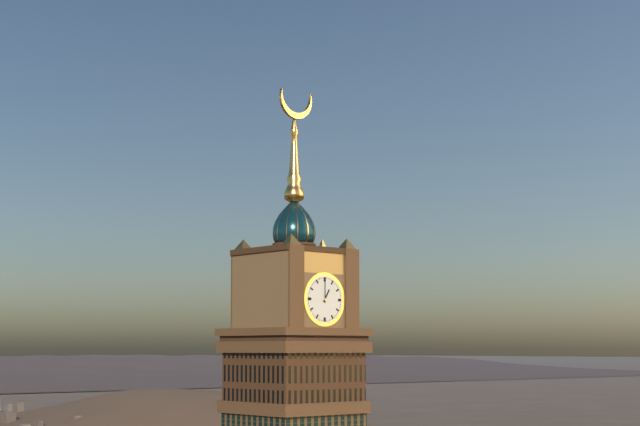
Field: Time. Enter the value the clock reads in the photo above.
1:00
